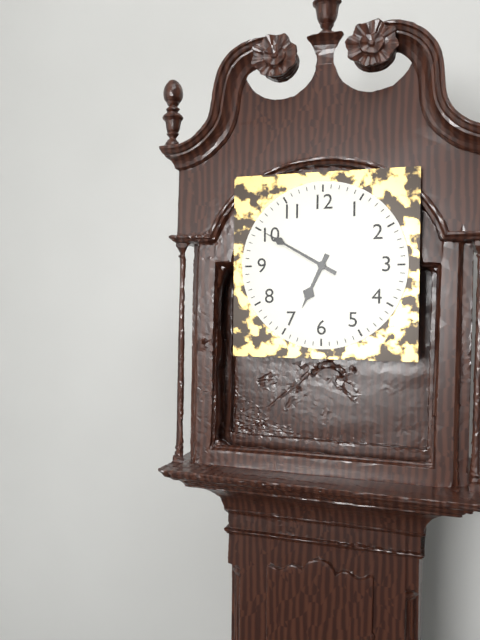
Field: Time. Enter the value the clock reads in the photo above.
6:50
